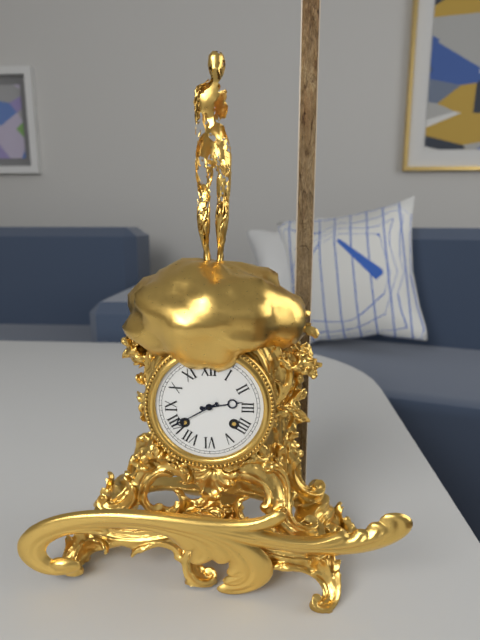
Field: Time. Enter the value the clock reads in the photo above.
2:40
